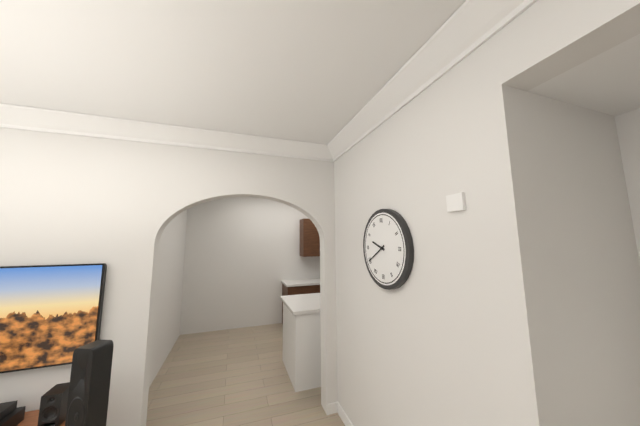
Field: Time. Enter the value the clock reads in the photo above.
9:40
